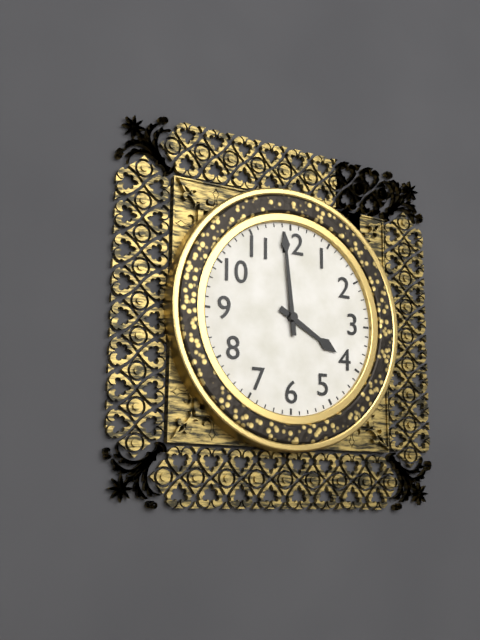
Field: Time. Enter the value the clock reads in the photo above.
3:59
